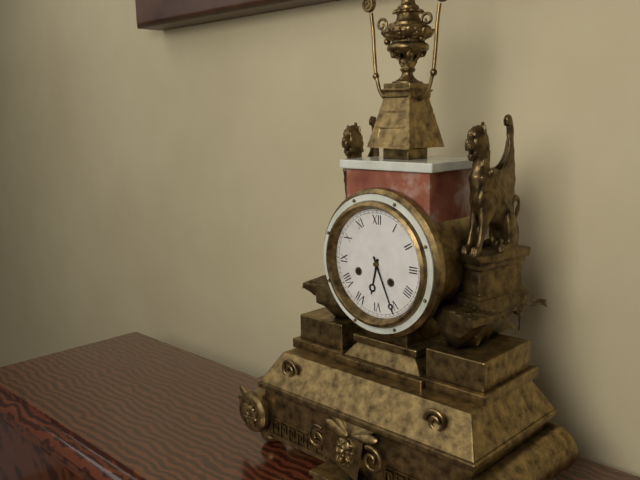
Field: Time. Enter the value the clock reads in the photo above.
6:26
